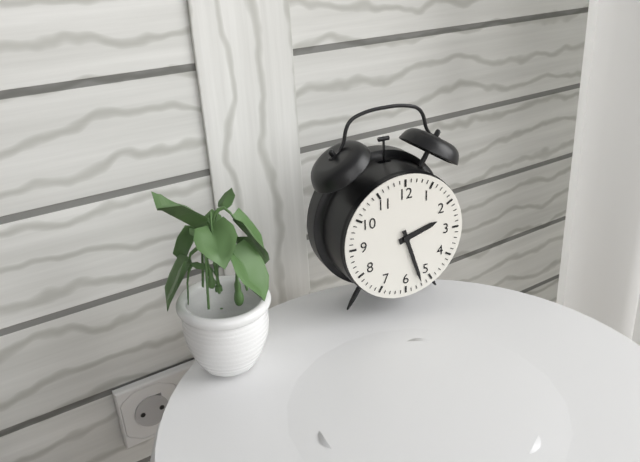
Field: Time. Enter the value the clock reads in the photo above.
2:27
